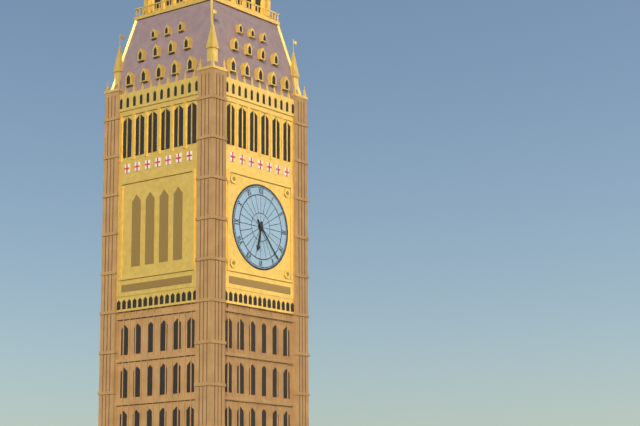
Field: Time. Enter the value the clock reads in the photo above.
6:23
